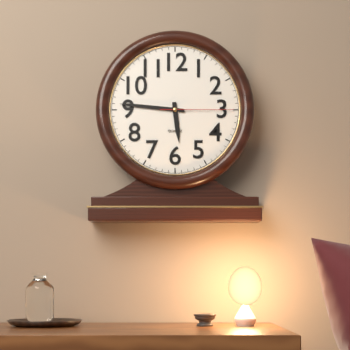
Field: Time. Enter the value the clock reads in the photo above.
5:46:15
